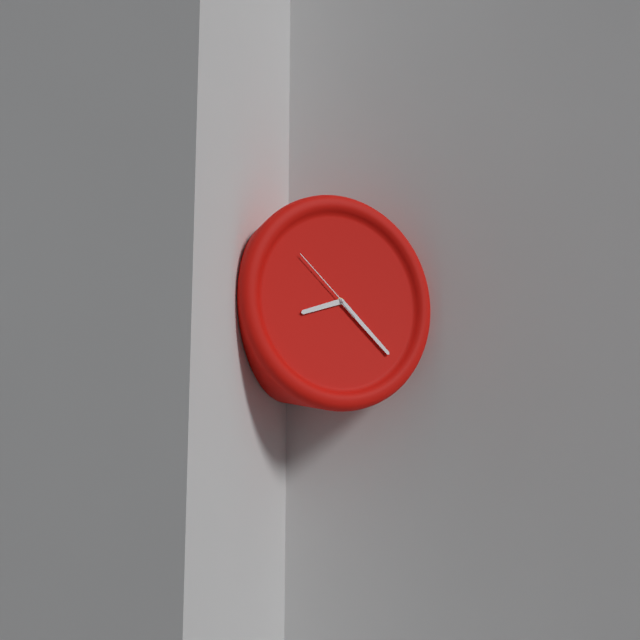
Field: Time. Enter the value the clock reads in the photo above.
8:22:52
